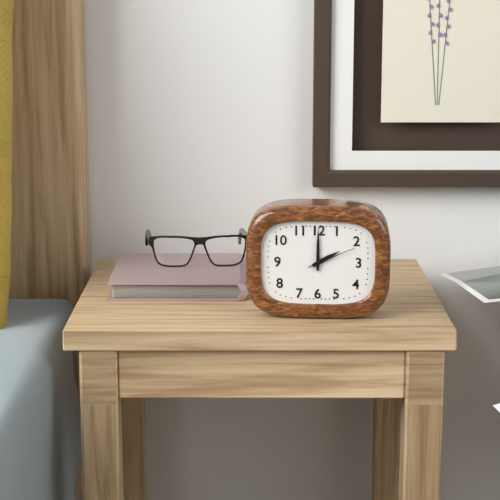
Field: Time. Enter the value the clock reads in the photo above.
2:00
